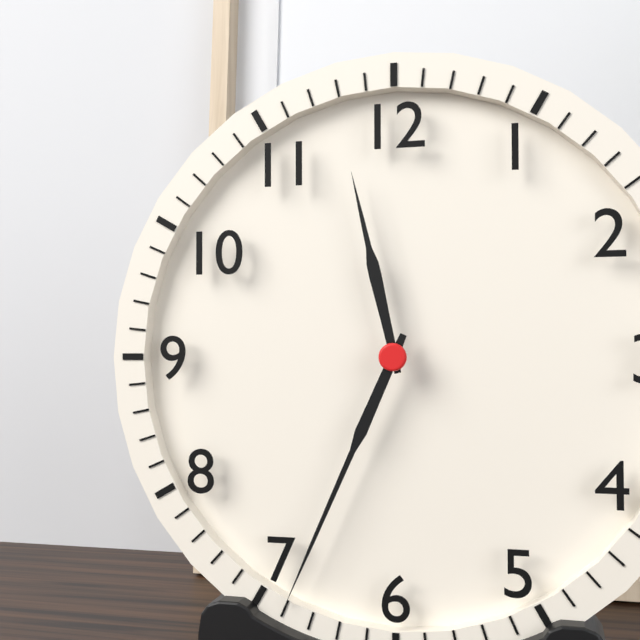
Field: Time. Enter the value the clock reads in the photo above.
11:34
